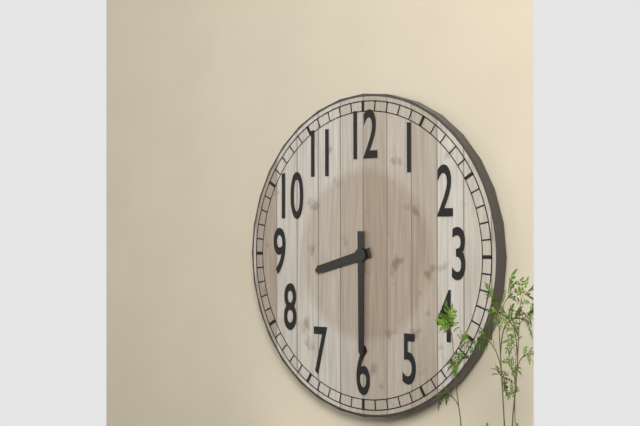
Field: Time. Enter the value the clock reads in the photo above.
8:30
